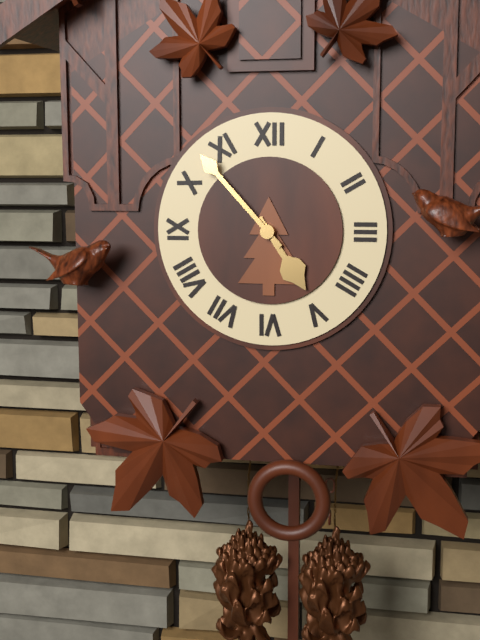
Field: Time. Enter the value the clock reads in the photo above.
4:53
